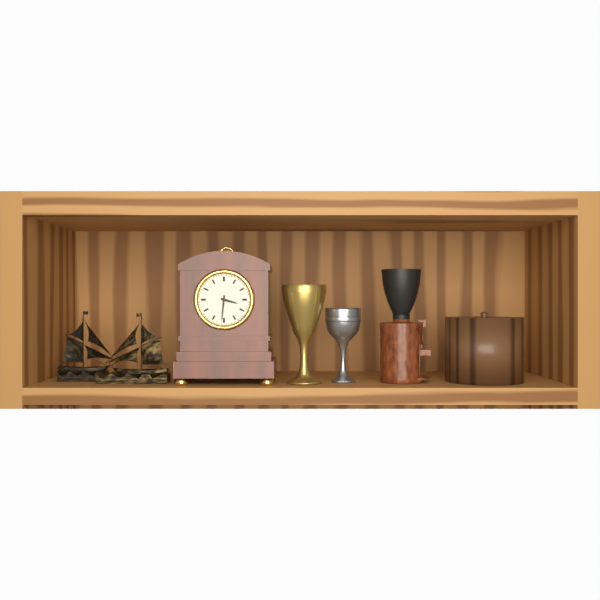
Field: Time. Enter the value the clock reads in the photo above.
3:31
